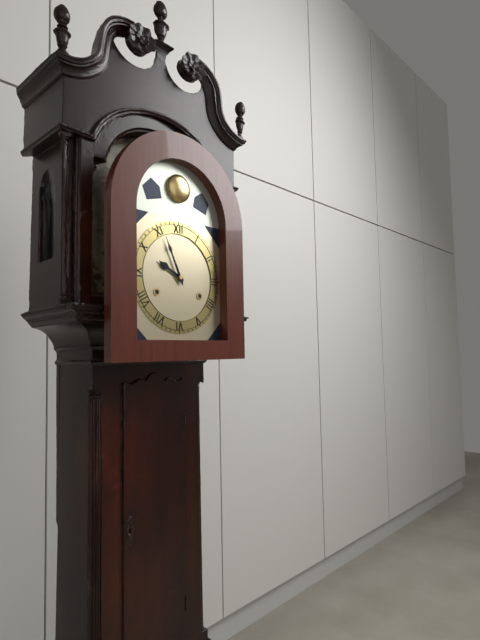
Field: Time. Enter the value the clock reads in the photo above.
9:56
